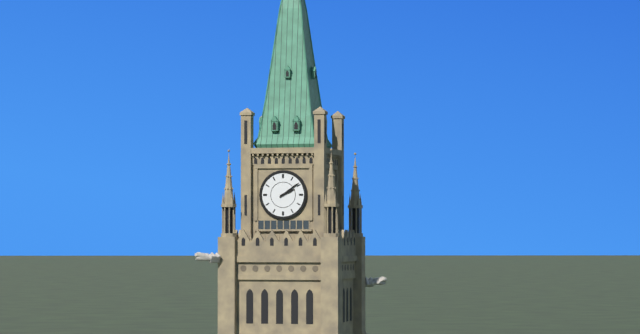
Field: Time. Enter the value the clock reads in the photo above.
2:09
